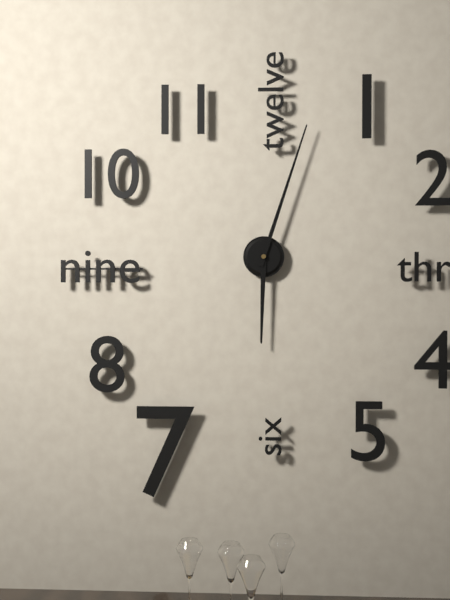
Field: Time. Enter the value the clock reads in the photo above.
6:03
